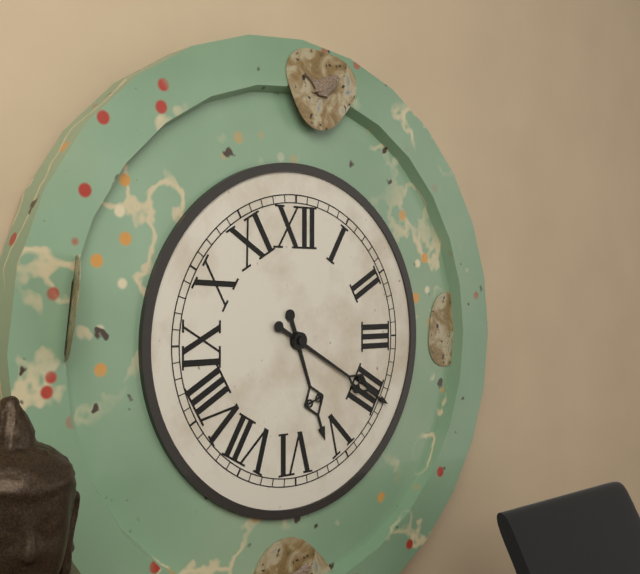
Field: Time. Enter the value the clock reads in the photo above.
5:20
